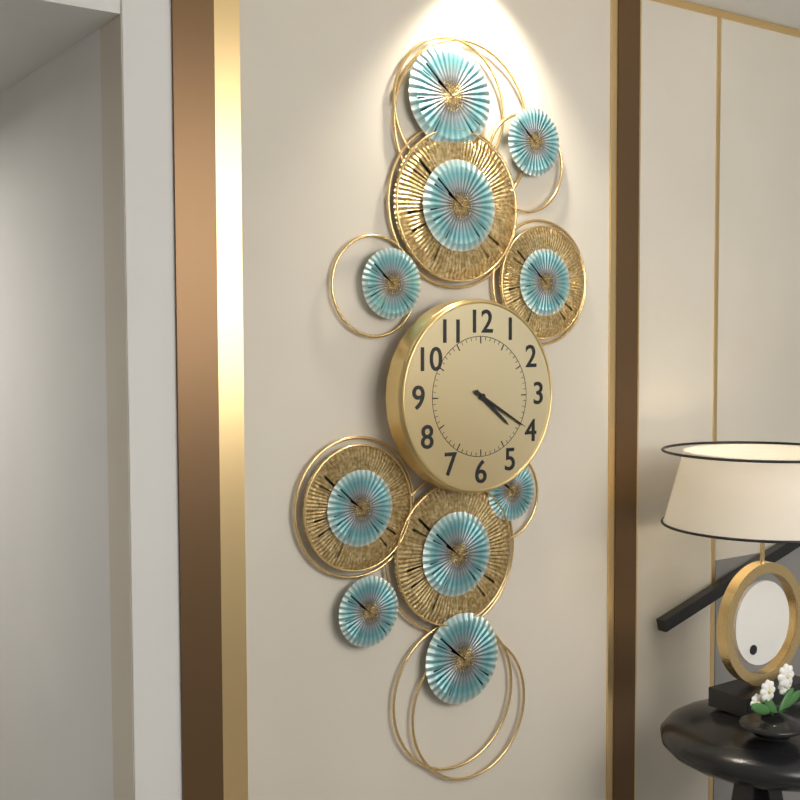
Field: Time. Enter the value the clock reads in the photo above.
4:20
